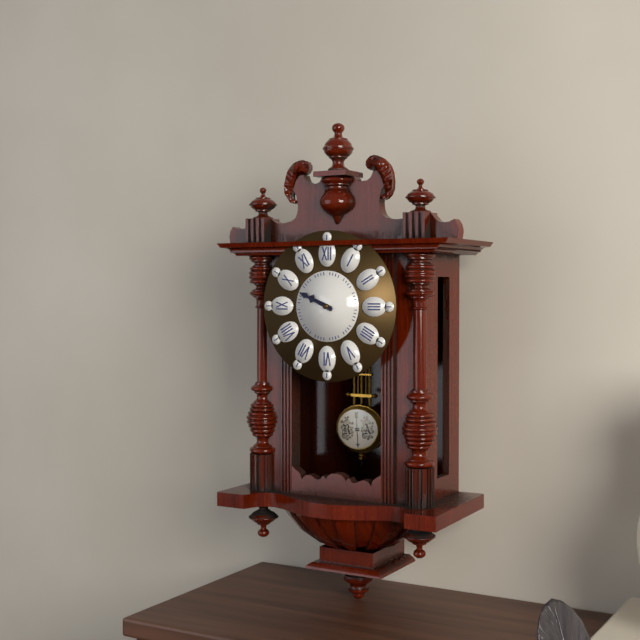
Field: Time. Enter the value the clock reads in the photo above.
9:49
